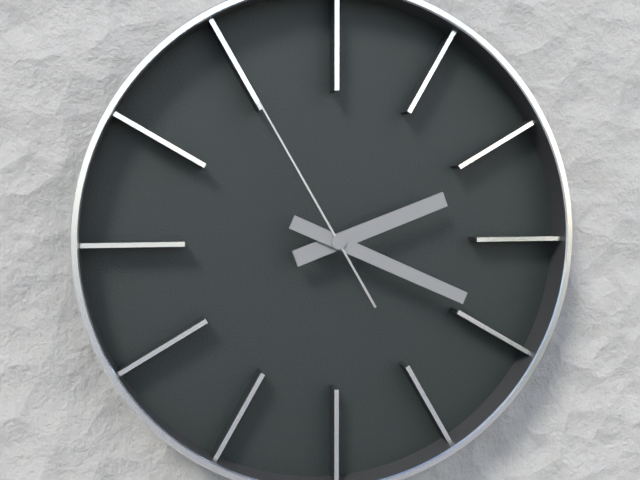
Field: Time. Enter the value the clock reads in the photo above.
2:19:55
